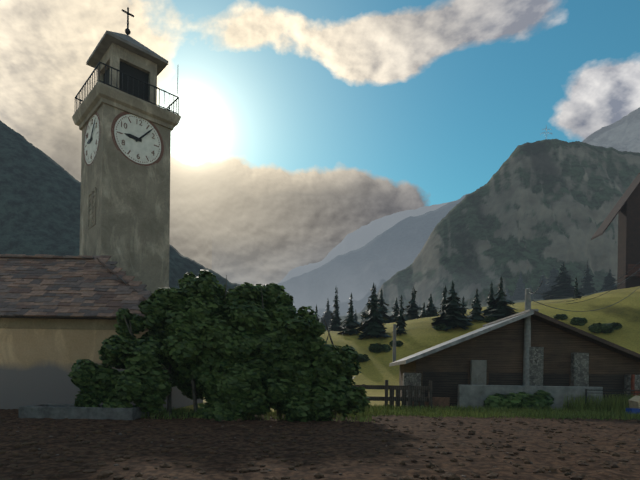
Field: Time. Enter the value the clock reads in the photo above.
9:07
